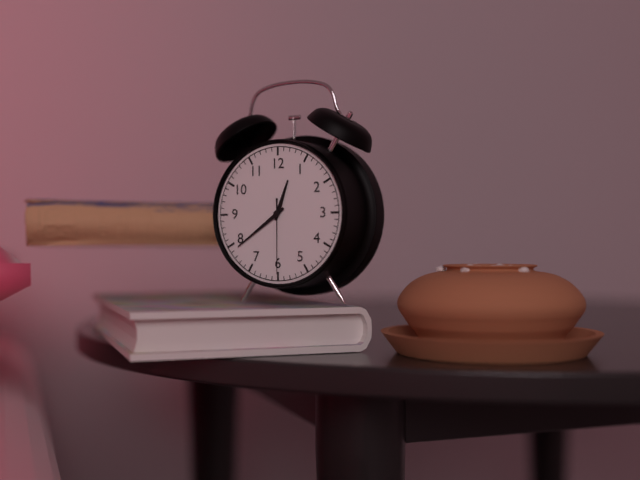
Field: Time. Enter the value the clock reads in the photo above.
12:39:30
